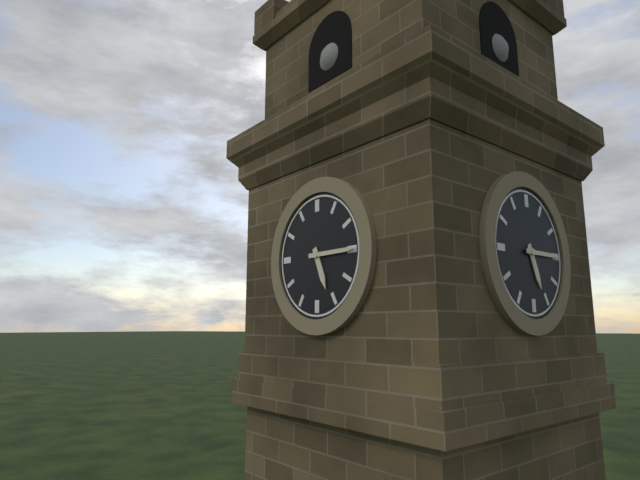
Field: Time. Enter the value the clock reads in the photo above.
5:15
